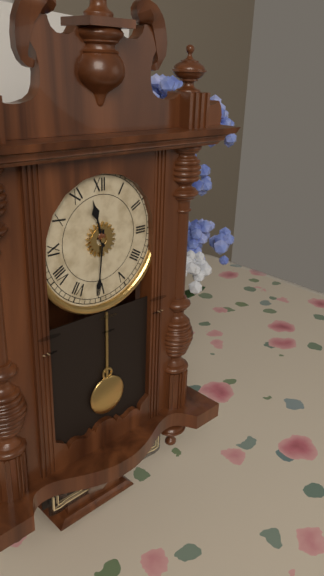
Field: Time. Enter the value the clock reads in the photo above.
11:31
